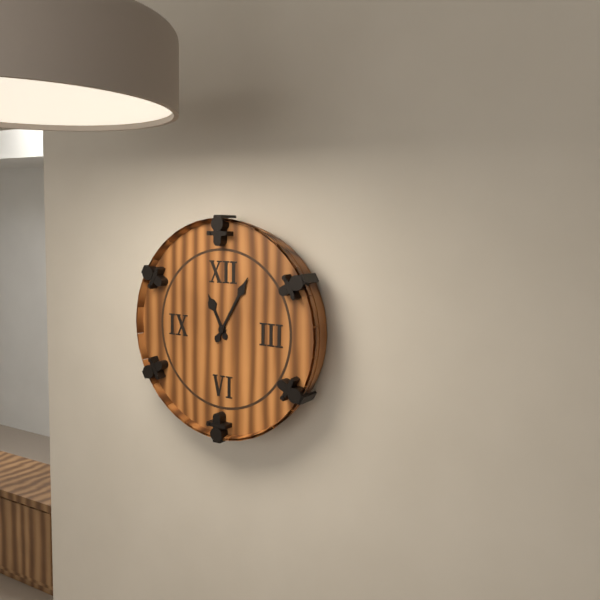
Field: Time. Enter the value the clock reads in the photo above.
11:05
